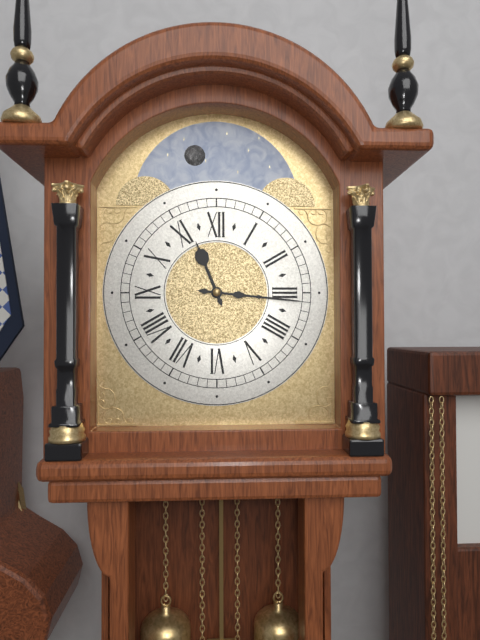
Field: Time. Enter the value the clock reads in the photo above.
11:16
